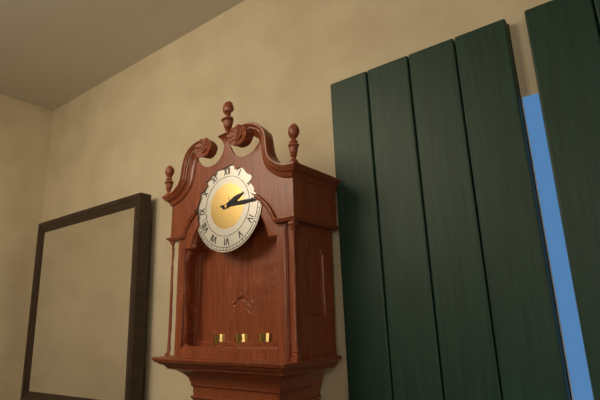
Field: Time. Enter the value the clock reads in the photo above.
2:15
